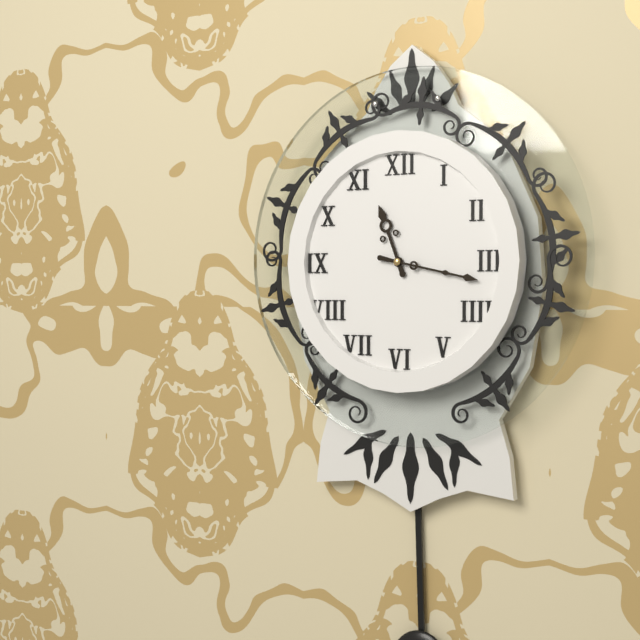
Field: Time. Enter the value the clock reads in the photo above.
11:17
